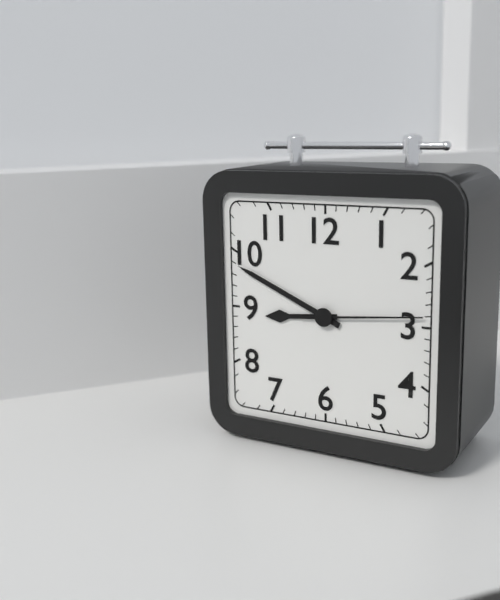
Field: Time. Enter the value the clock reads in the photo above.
8:49:14
